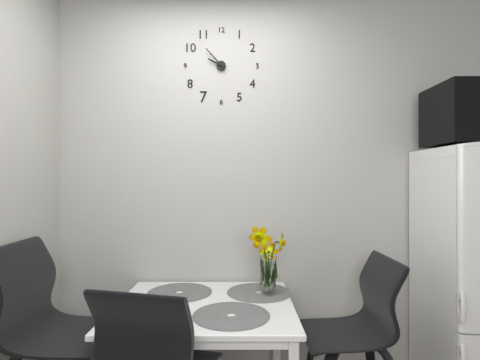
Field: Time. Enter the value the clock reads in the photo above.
9:53
